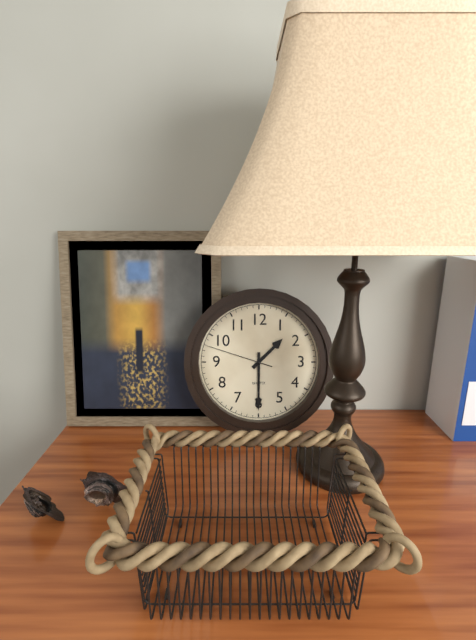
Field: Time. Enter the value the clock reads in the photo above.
1:30:48
